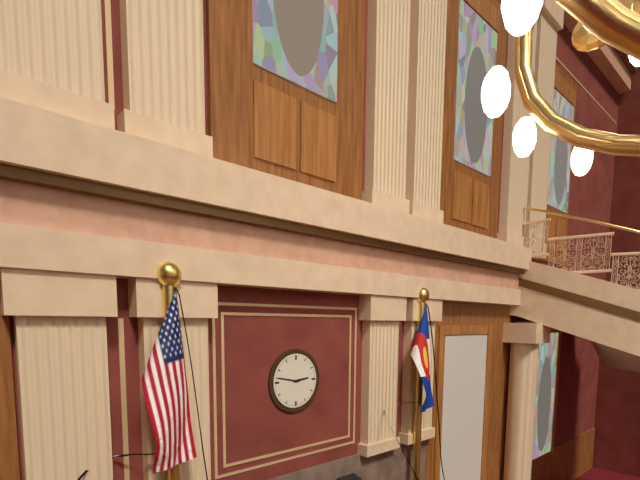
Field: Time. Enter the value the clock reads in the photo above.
2:47
